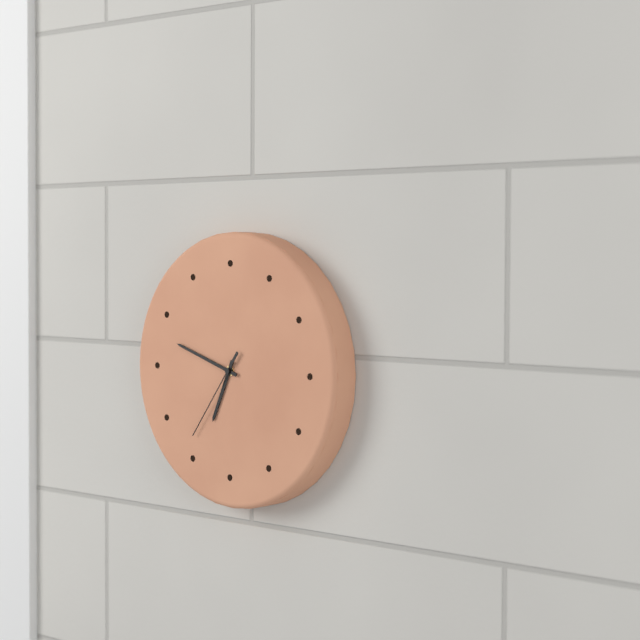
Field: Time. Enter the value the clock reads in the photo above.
6:48:36
